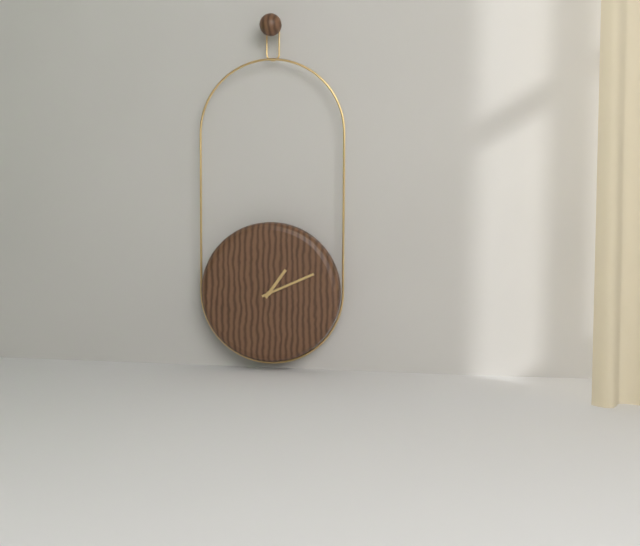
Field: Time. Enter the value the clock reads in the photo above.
1:11
